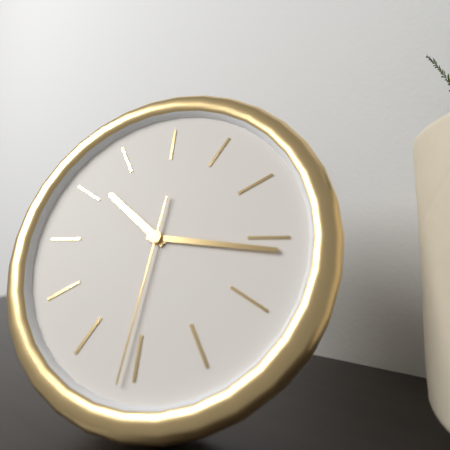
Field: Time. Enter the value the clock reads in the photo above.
10:16:31
